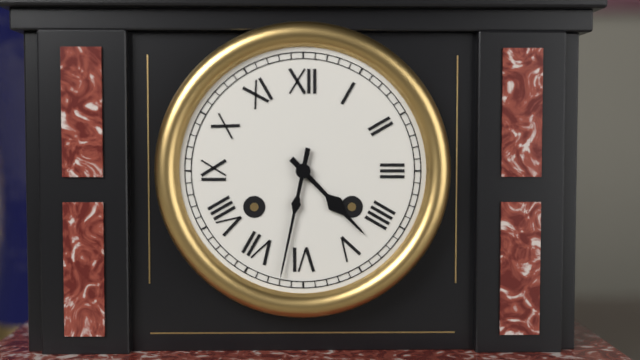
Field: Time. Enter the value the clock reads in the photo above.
4:32
